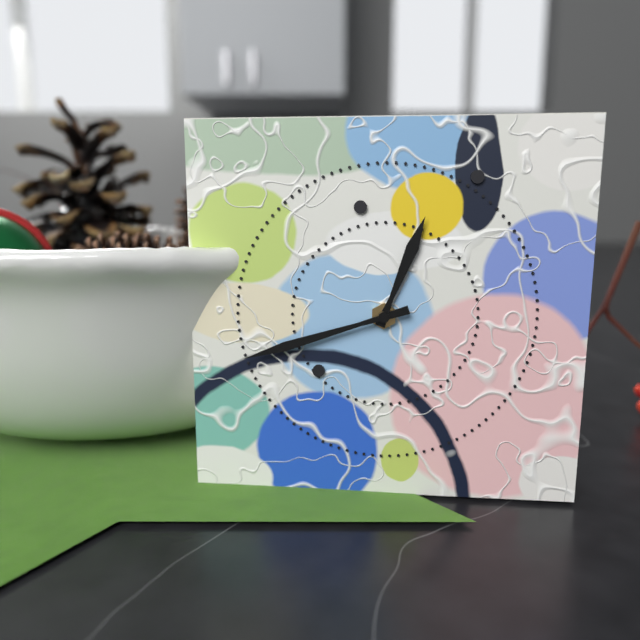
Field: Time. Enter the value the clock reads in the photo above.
12:42
